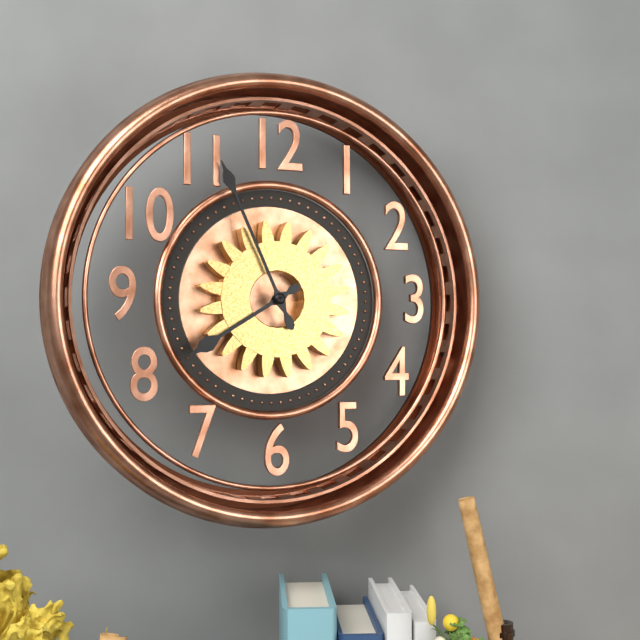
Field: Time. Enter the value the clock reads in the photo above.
7:56
